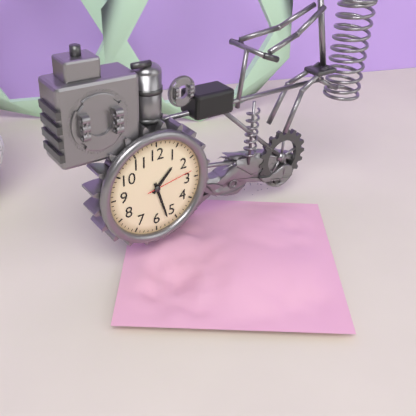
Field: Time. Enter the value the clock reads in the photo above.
1:27:13
